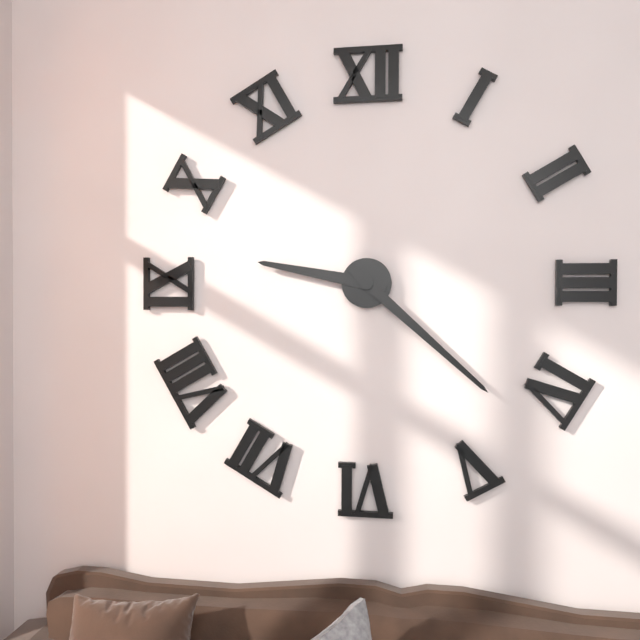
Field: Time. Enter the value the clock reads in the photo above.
9:22
